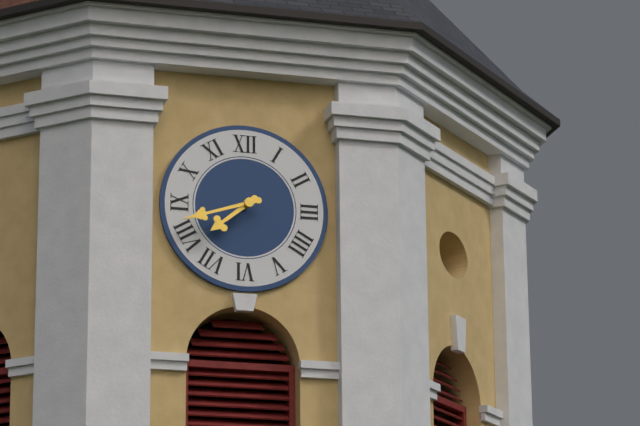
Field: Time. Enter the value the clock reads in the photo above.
7:42
